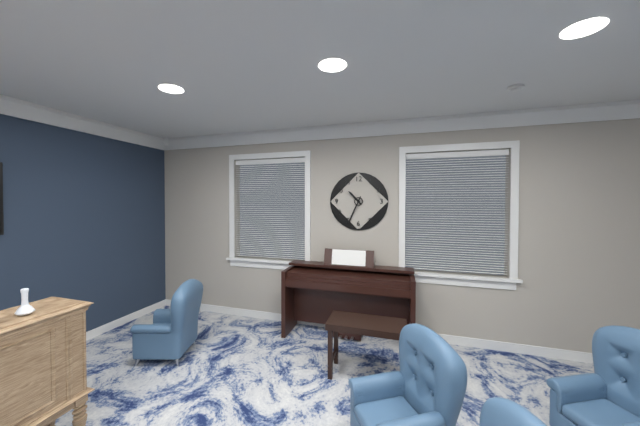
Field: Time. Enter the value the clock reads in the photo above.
10:34
